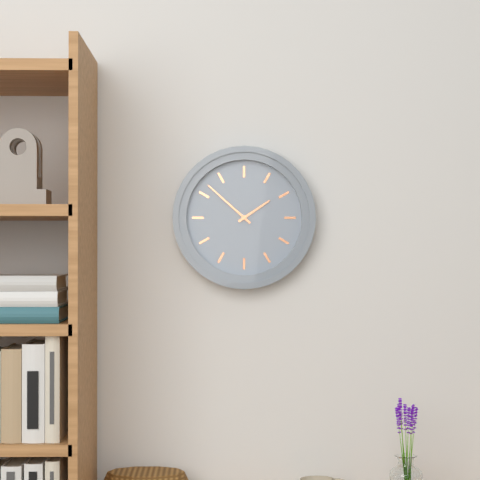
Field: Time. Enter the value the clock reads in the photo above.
1:52
